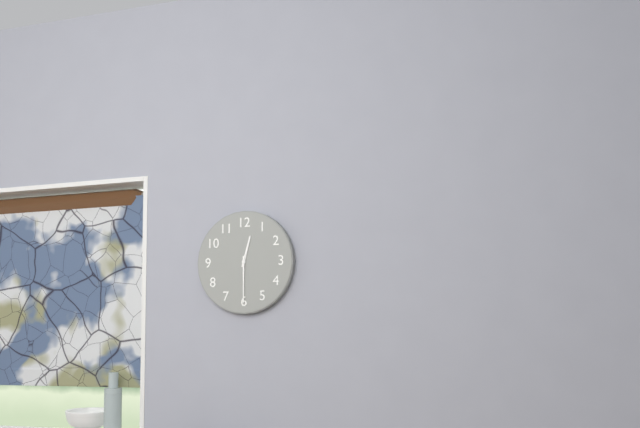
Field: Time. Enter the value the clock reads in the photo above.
12:30
